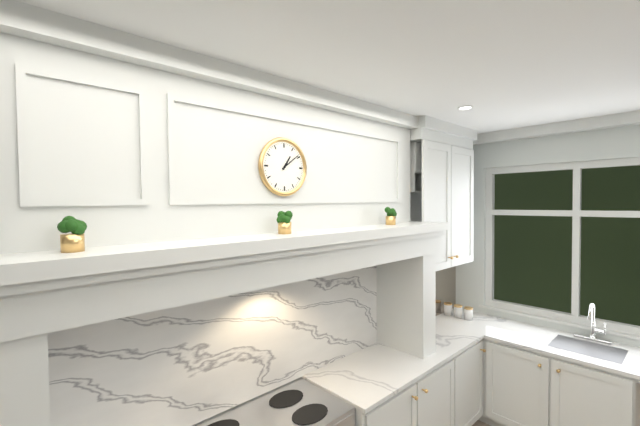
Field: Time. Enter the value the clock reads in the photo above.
1:09
